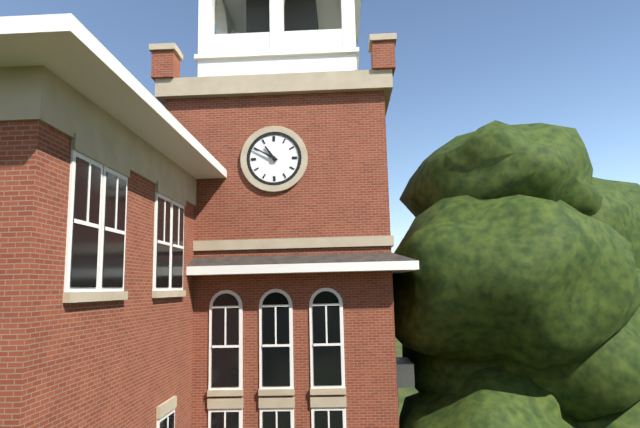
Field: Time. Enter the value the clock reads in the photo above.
10:50
